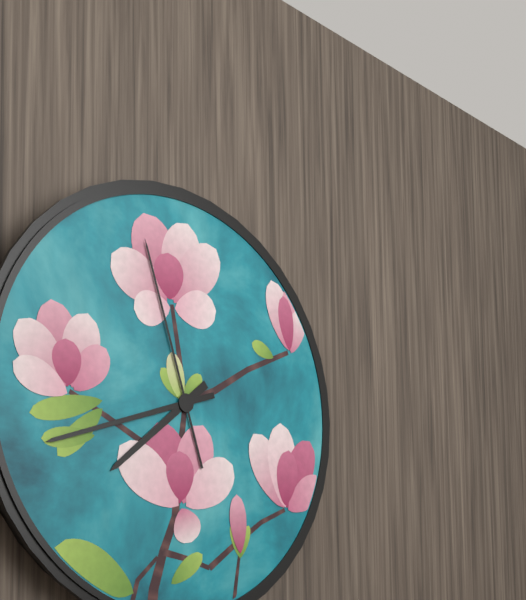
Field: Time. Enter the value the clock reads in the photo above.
7:42:57
